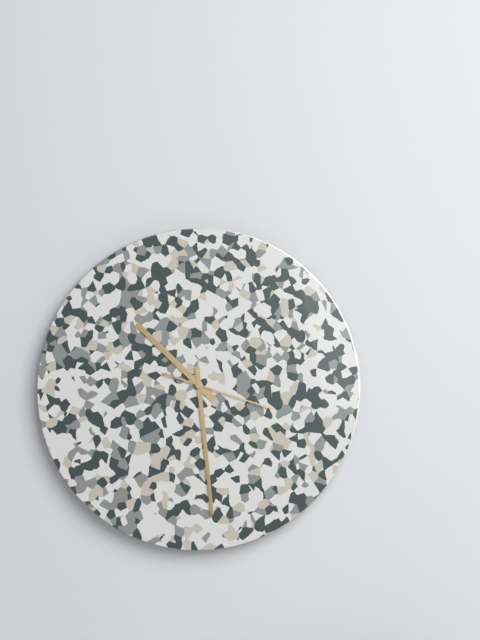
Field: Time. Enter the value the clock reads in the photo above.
10:29:18
